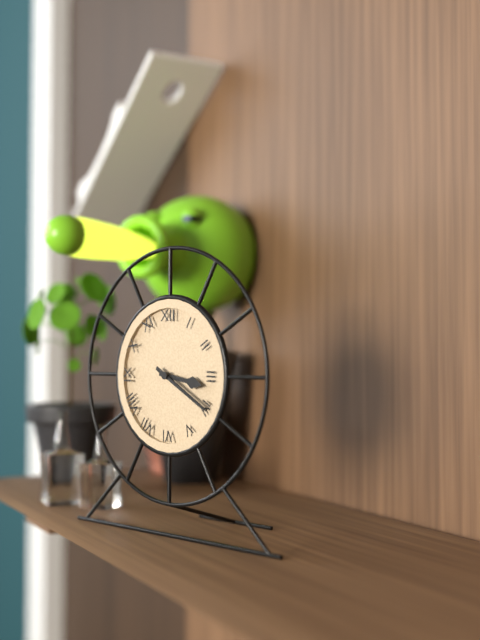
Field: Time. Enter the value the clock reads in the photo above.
3:20
